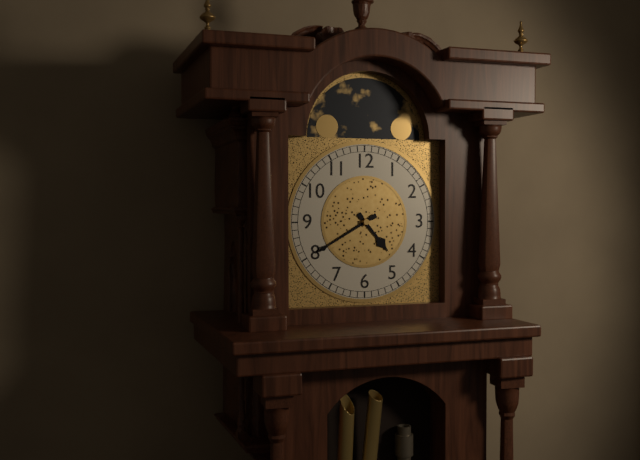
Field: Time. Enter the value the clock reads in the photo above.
4:40
